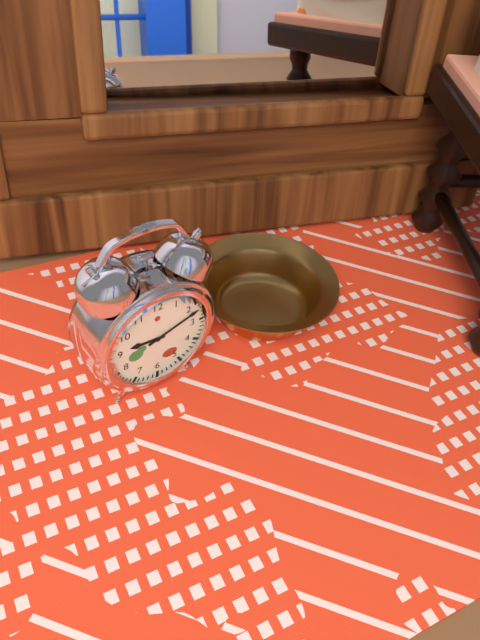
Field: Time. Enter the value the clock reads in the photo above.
9:12
